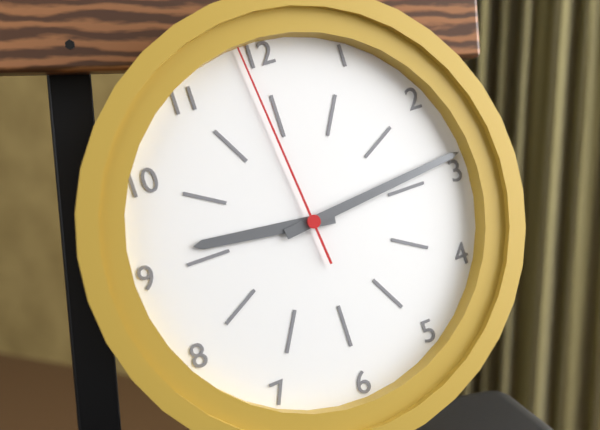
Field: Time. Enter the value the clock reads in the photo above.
9:14:59
